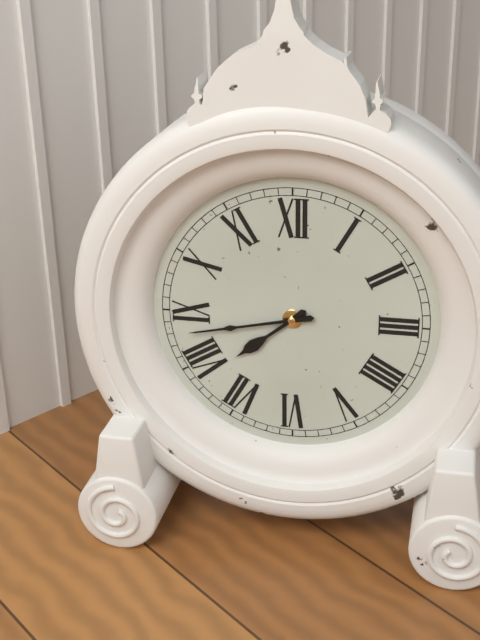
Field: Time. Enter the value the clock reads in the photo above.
7:43
